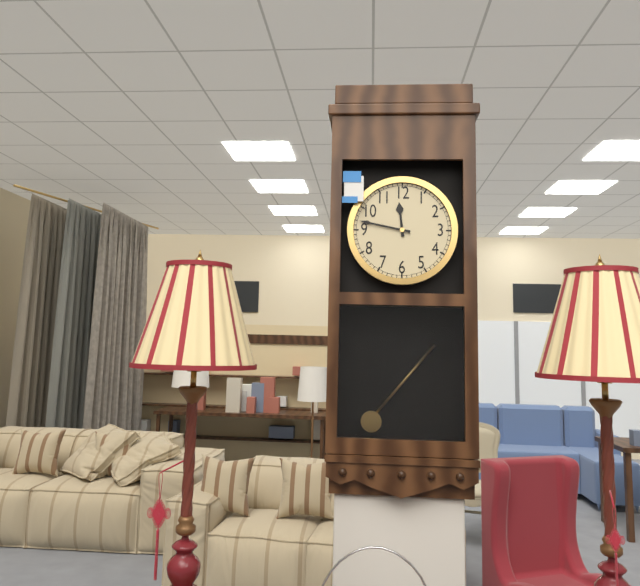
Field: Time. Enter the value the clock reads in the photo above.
11:47
